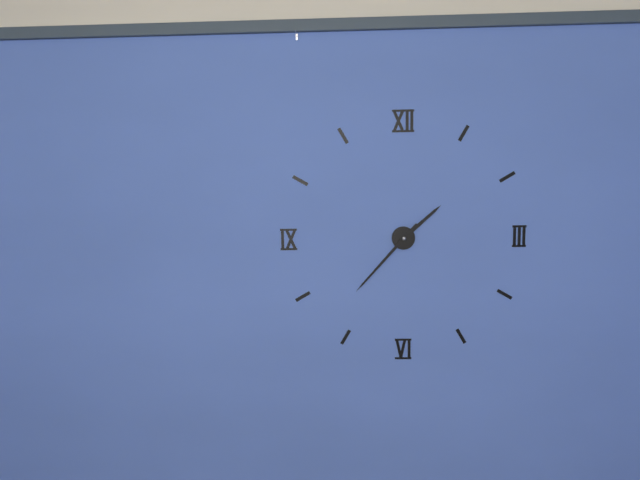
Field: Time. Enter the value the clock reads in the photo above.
1:37
